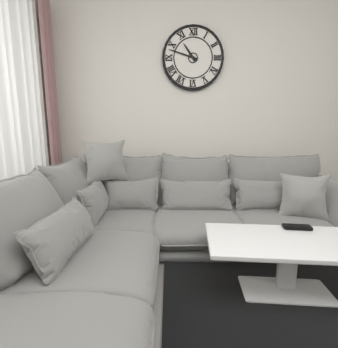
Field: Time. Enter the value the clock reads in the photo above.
10:48
